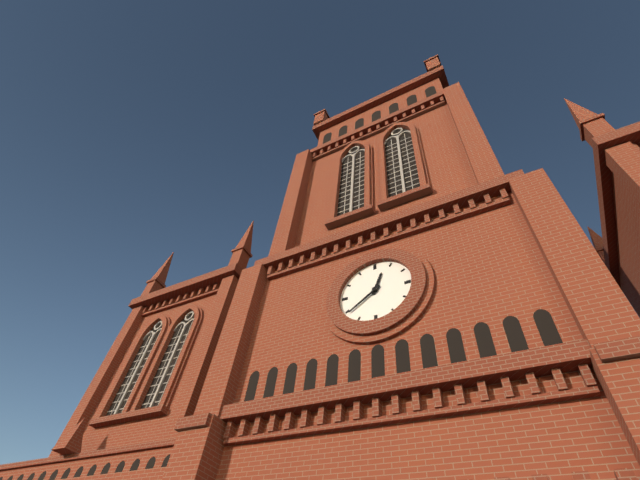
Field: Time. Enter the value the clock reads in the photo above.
12:39
